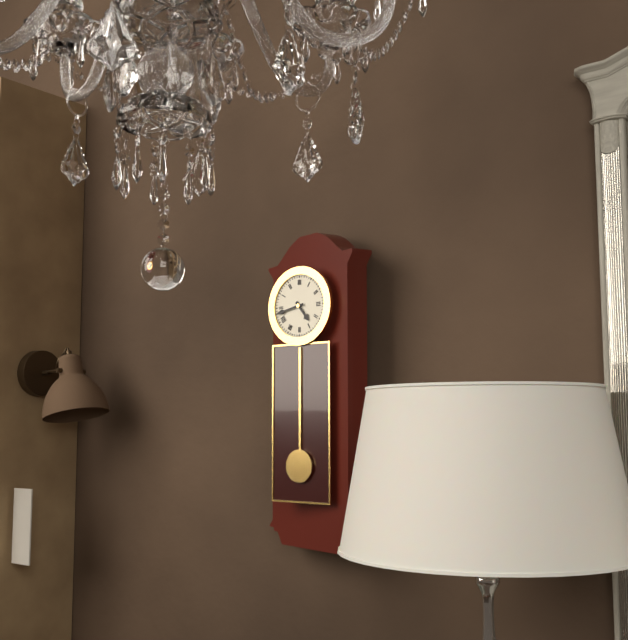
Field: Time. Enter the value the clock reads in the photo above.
4:43
